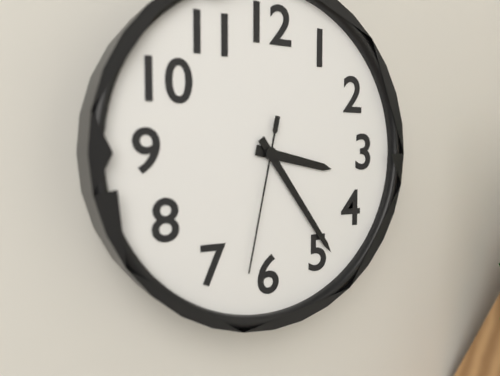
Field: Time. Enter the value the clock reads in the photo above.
3:24:32
